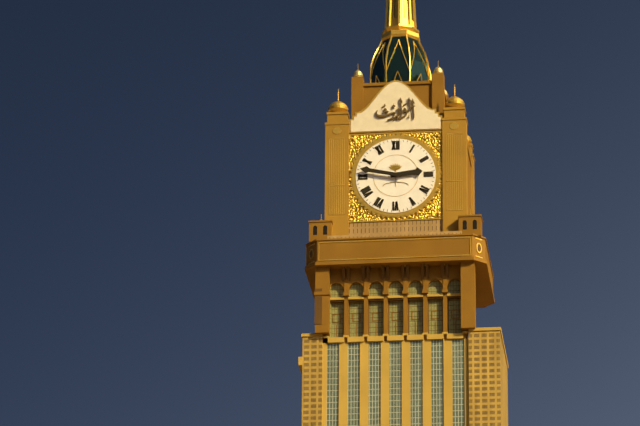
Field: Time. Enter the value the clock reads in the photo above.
2:47
